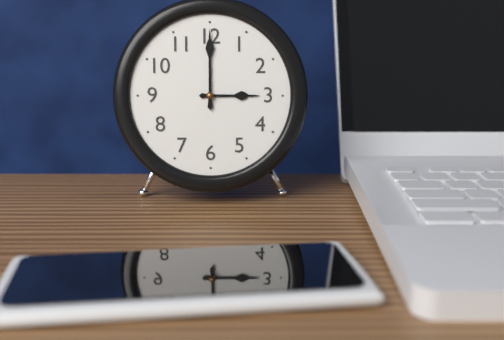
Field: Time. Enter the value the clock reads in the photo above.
3:00
